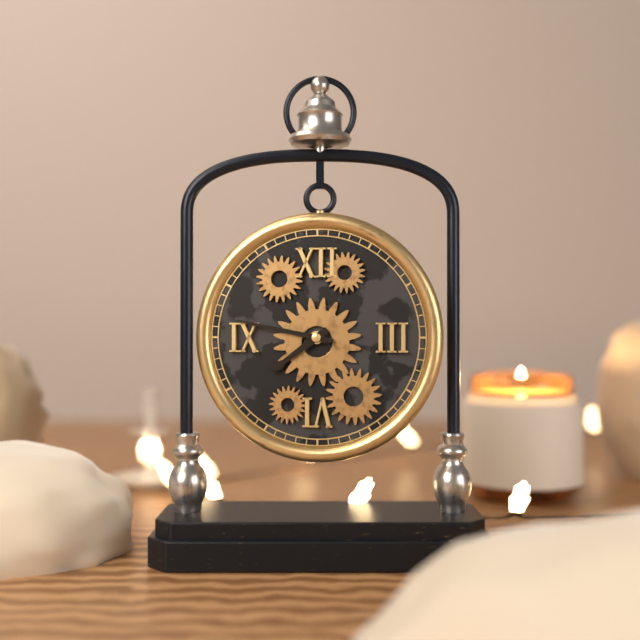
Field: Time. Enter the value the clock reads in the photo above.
7:47
